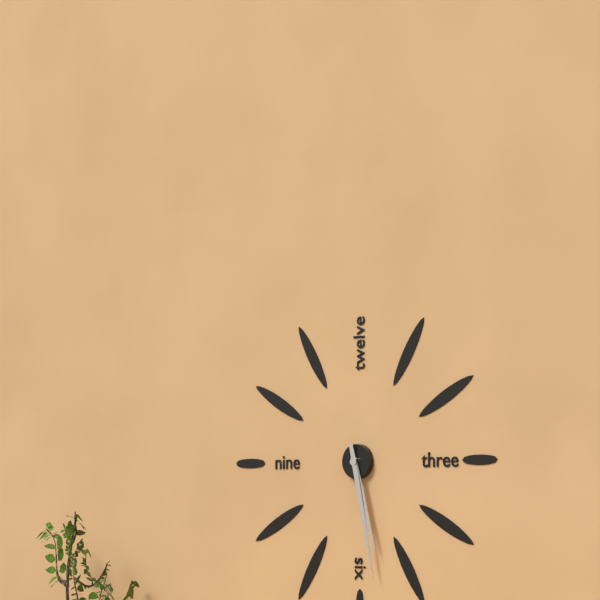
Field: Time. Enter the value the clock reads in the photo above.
5:28
